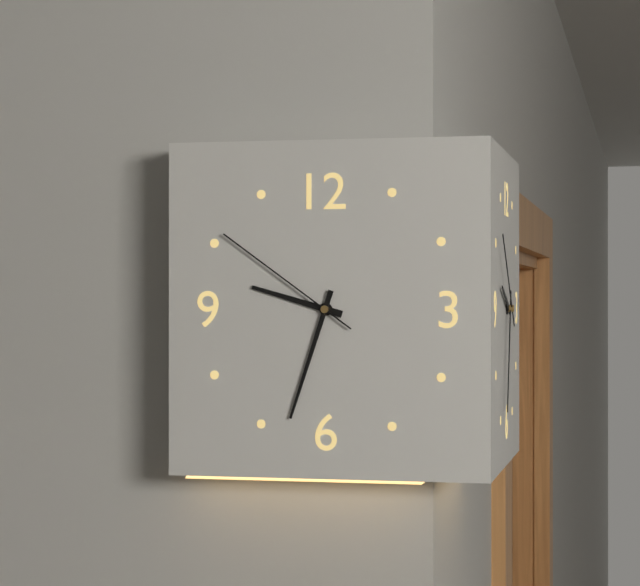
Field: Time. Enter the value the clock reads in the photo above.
9:33:51
